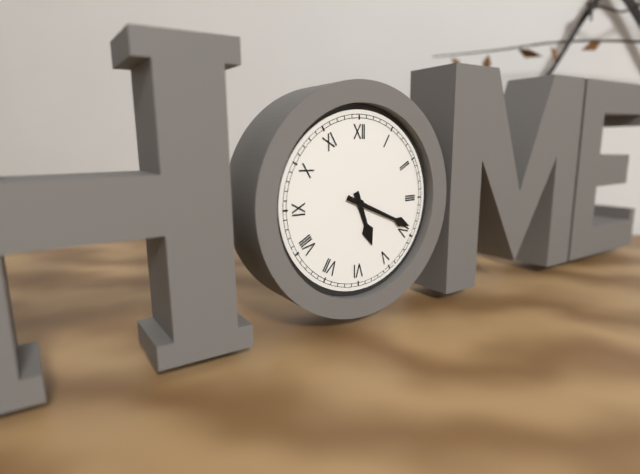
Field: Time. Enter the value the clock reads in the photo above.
5:19
